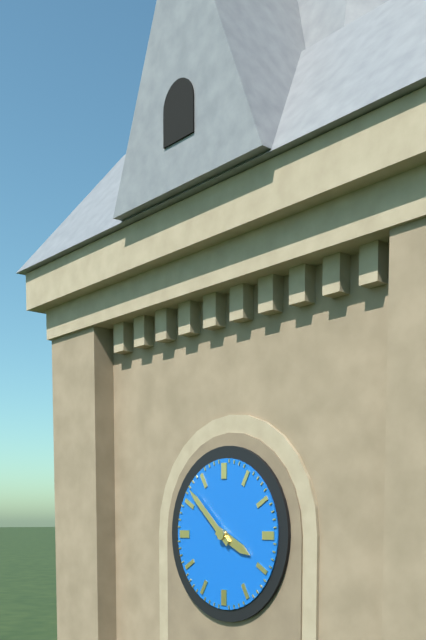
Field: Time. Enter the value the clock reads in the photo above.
3:52
